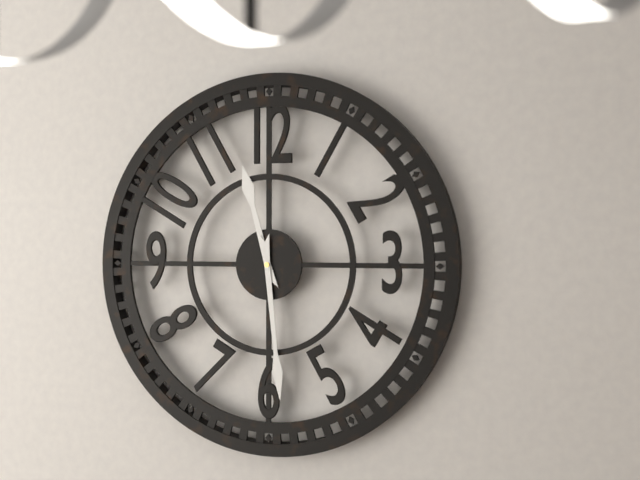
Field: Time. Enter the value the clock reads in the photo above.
11:29
